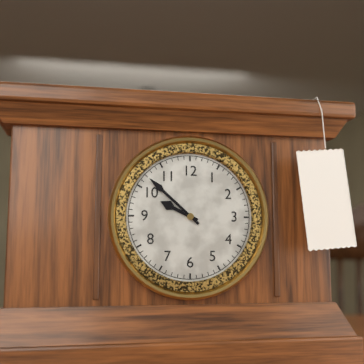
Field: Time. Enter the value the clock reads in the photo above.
9:52
